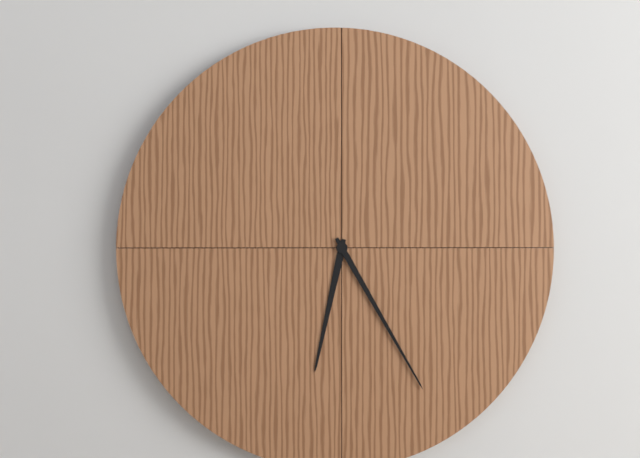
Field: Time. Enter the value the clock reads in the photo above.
6:25
